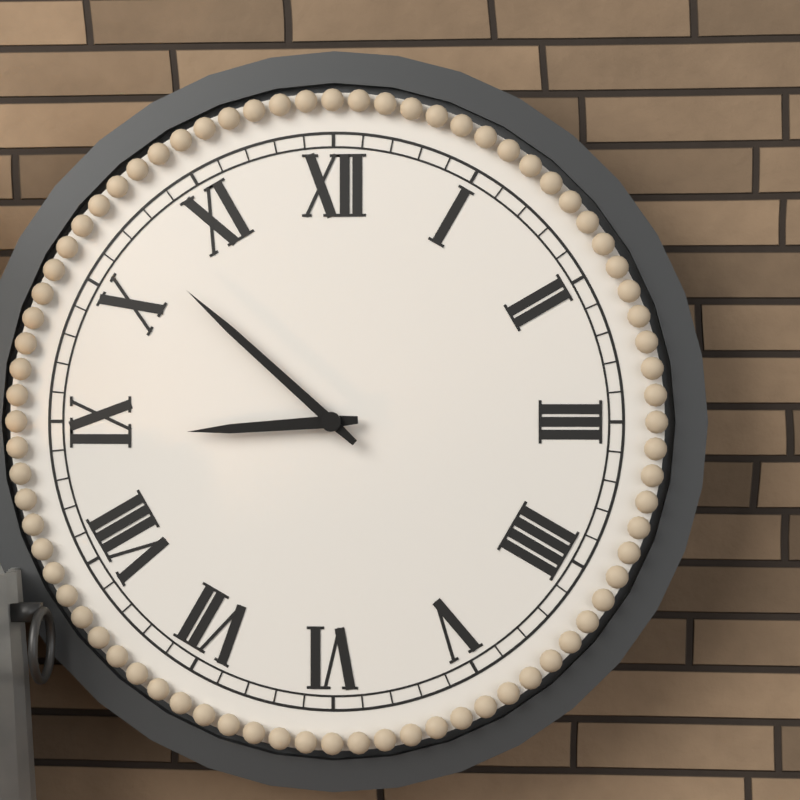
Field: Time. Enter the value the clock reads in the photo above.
8:52
